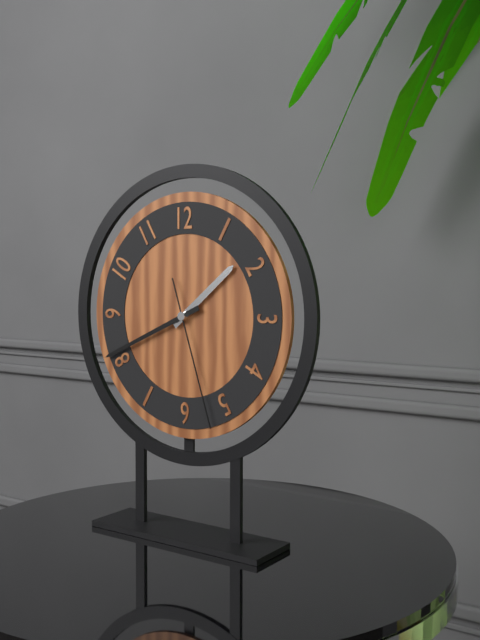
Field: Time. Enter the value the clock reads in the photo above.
1:41:27
